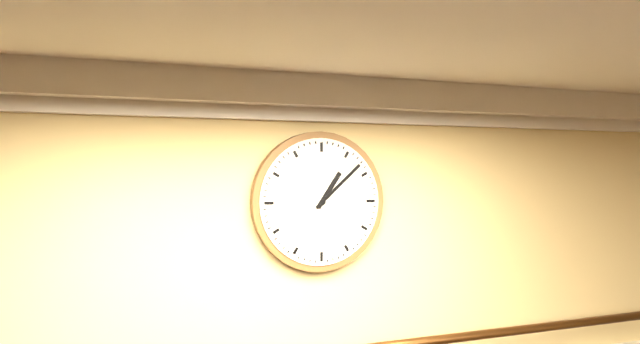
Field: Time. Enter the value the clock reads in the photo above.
1:08
